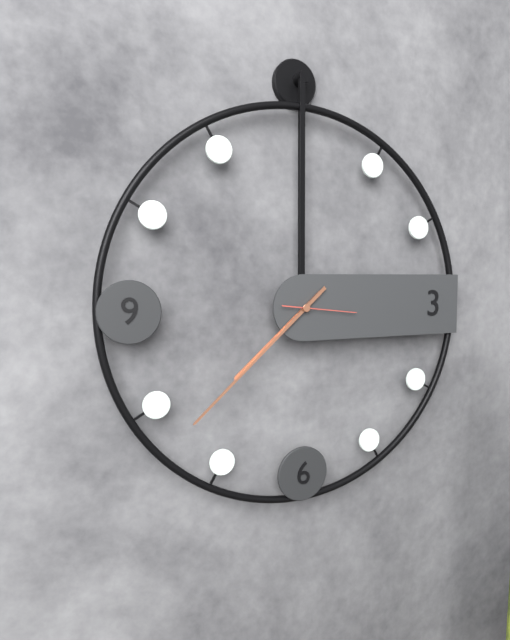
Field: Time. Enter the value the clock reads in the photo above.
7:38:16
